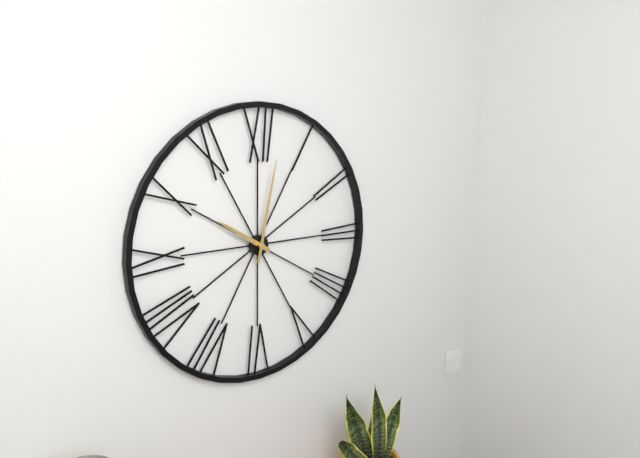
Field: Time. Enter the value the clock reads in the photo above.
10:02
